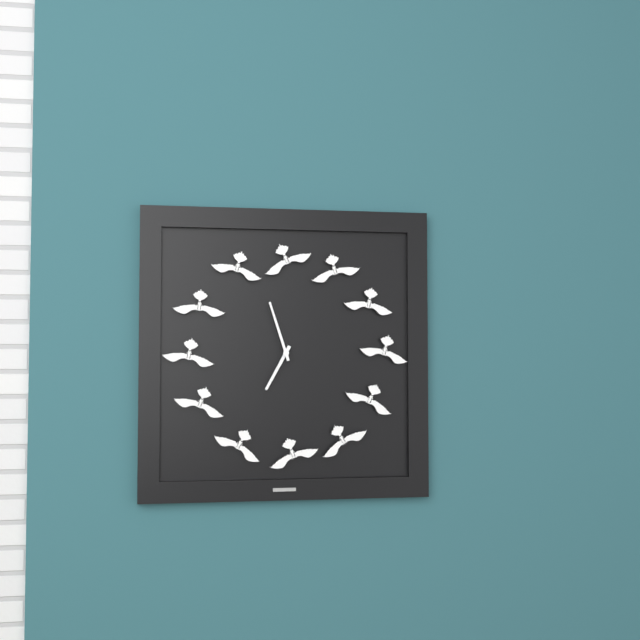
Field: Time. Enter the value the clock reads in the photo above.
6:57
